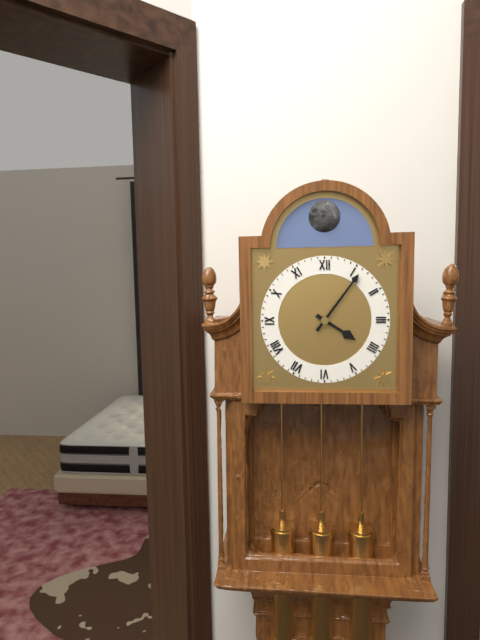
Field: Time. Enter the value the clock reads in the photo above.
4:06
